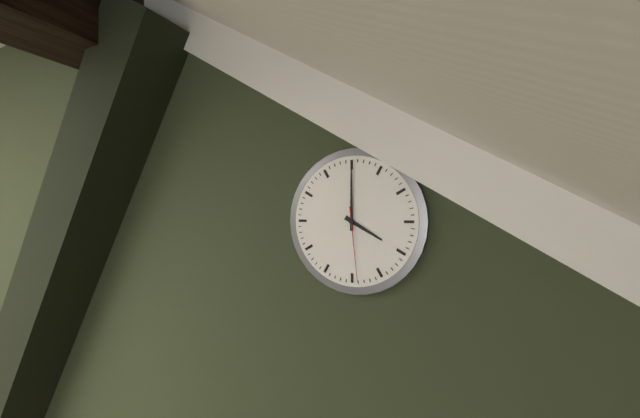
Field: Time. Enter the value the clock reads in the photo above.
4:00:29
